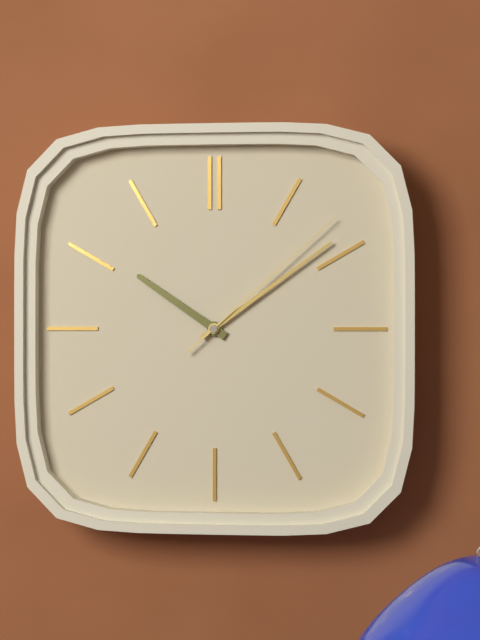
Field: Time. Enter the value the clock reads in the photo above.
10:09:08
